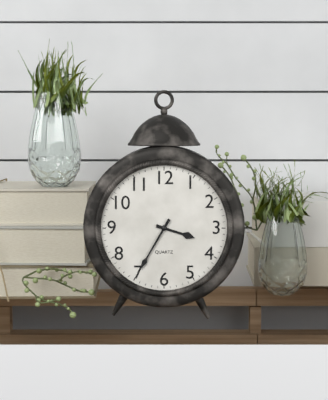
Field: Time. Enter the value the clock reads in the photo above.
3:35
